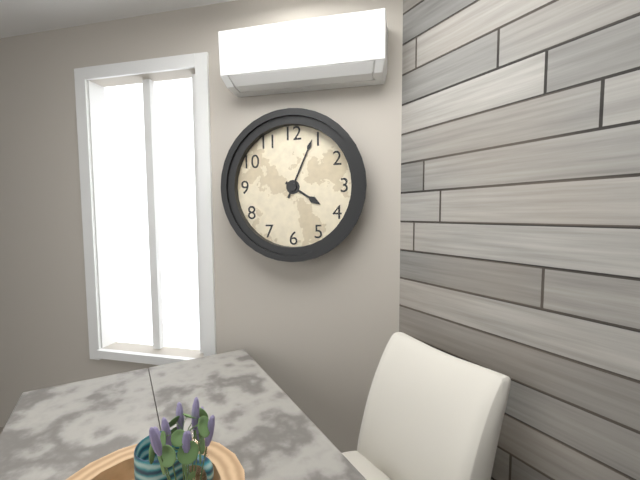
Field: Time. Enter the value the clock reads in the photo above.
4:04
